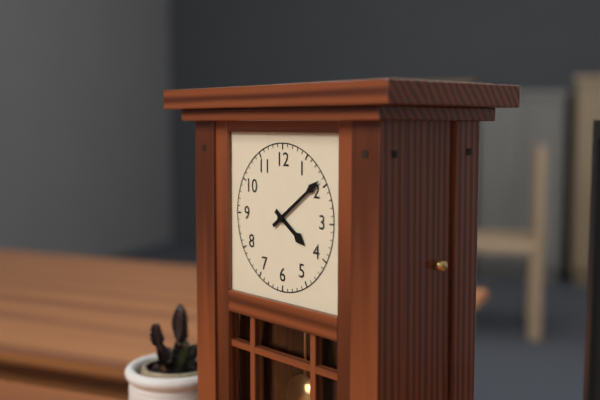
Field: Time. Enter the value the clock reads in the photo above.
4:09
